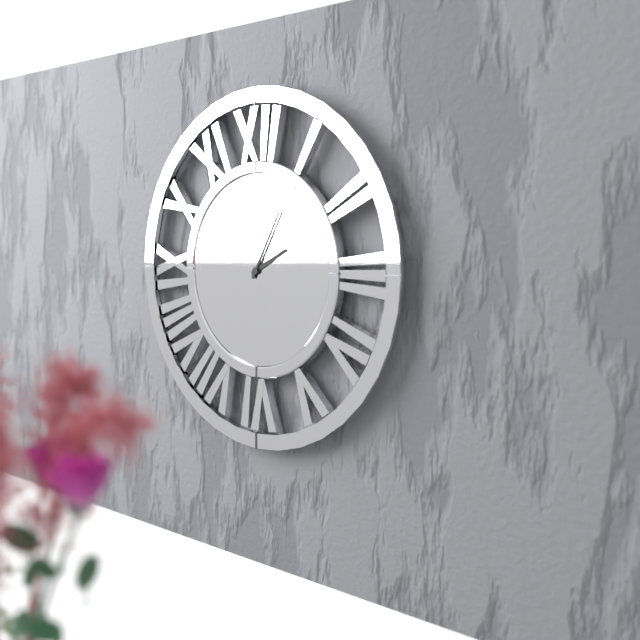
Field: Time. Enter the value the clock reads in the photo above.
2:05
